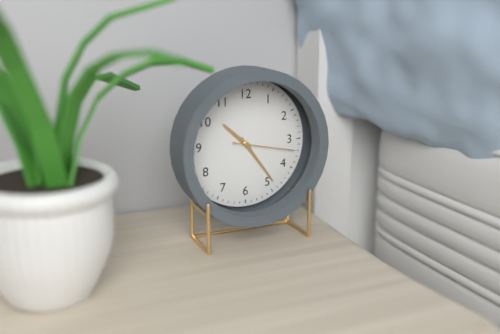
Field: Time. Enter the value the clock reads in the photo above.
10:24:17
